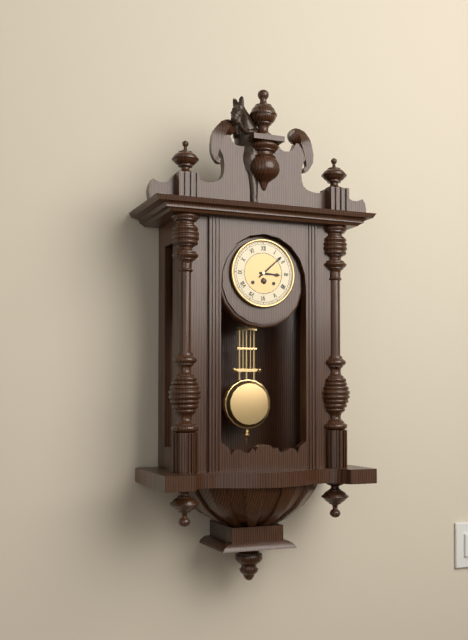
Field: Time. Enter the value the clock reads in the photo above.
3:08
